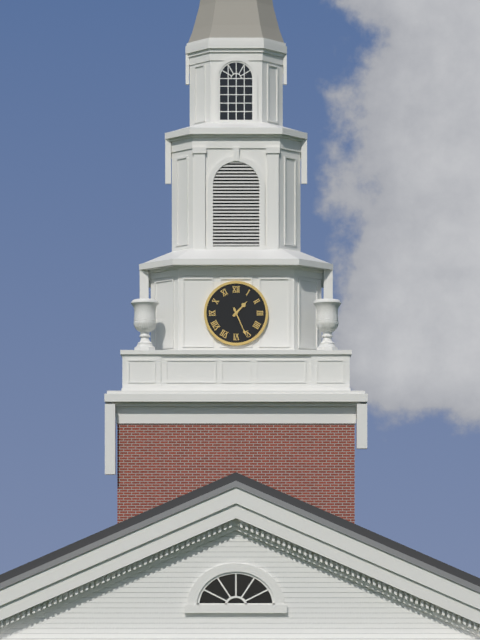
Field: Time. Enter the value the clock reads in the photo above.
1:26
